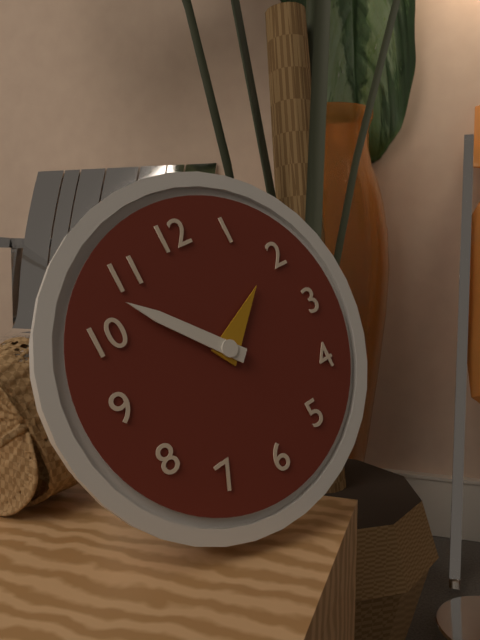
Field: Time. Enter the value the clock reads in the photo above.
1:53
